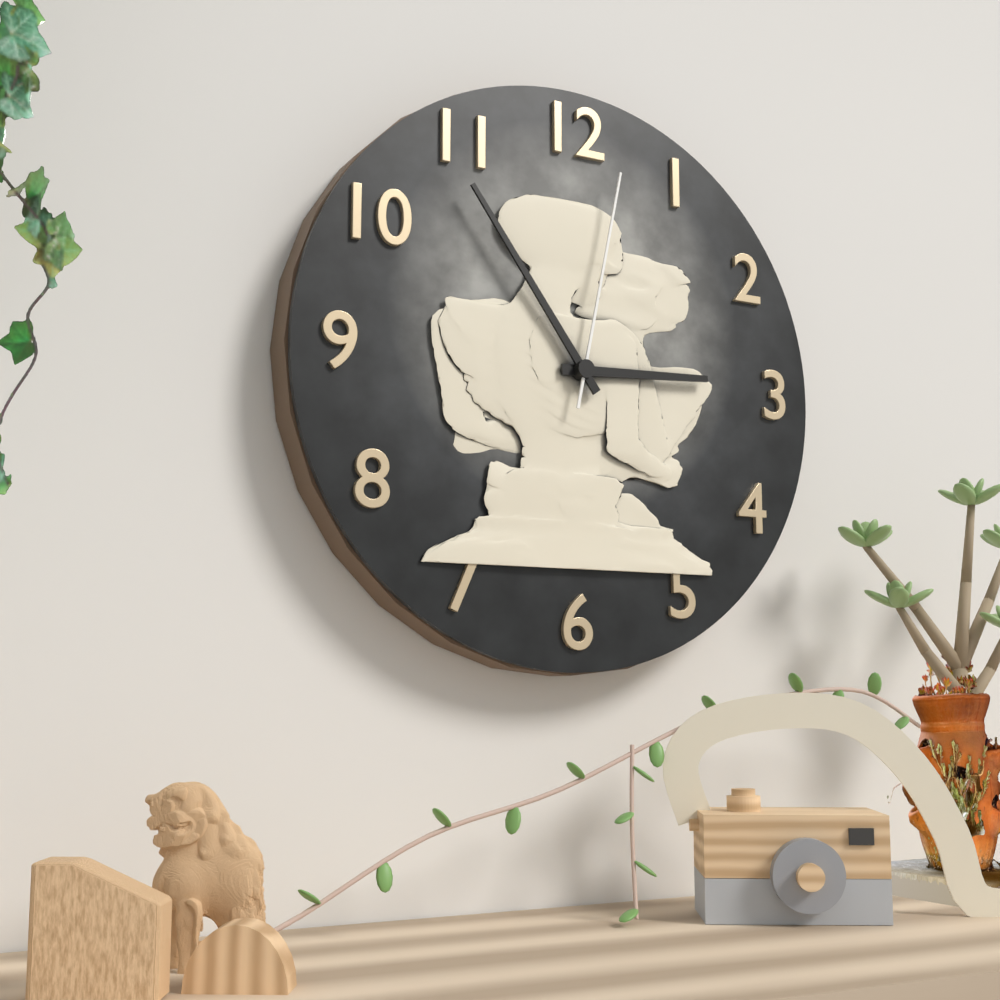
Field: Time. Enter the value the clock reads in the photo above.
2:54:02
